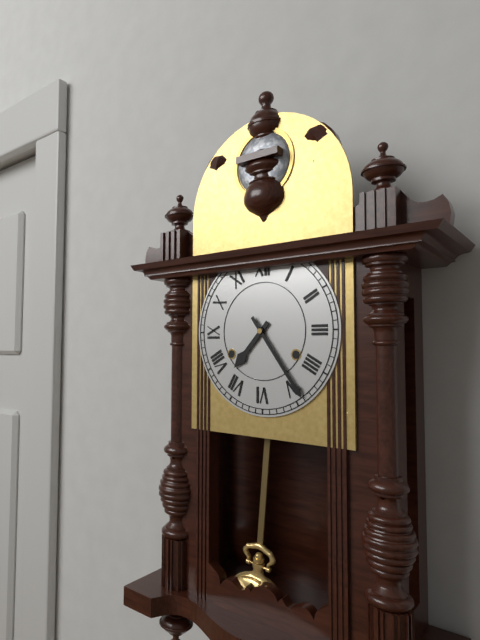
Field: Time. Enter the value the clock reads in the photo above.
7:24
